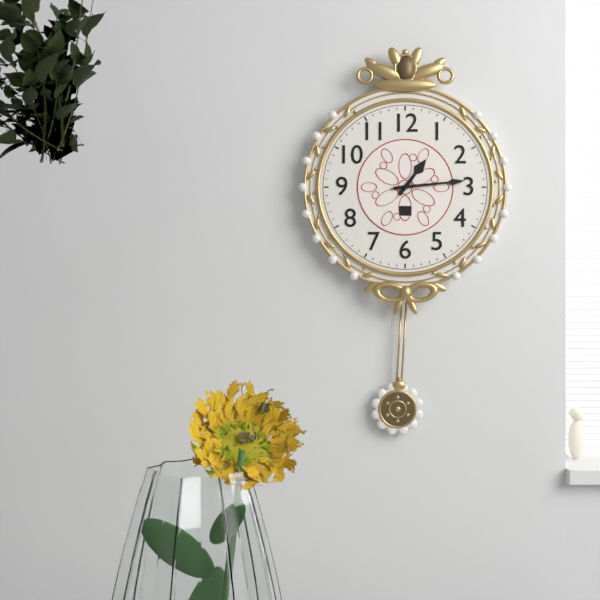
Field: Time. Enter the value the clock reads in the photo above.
1:14
